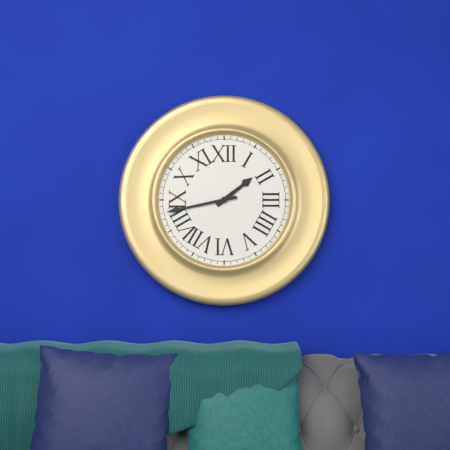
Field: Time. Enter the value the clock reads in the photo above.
1:43
